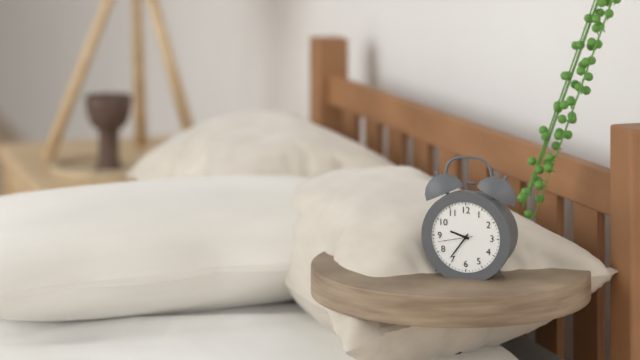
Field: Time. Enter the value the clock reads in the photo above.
9:36
